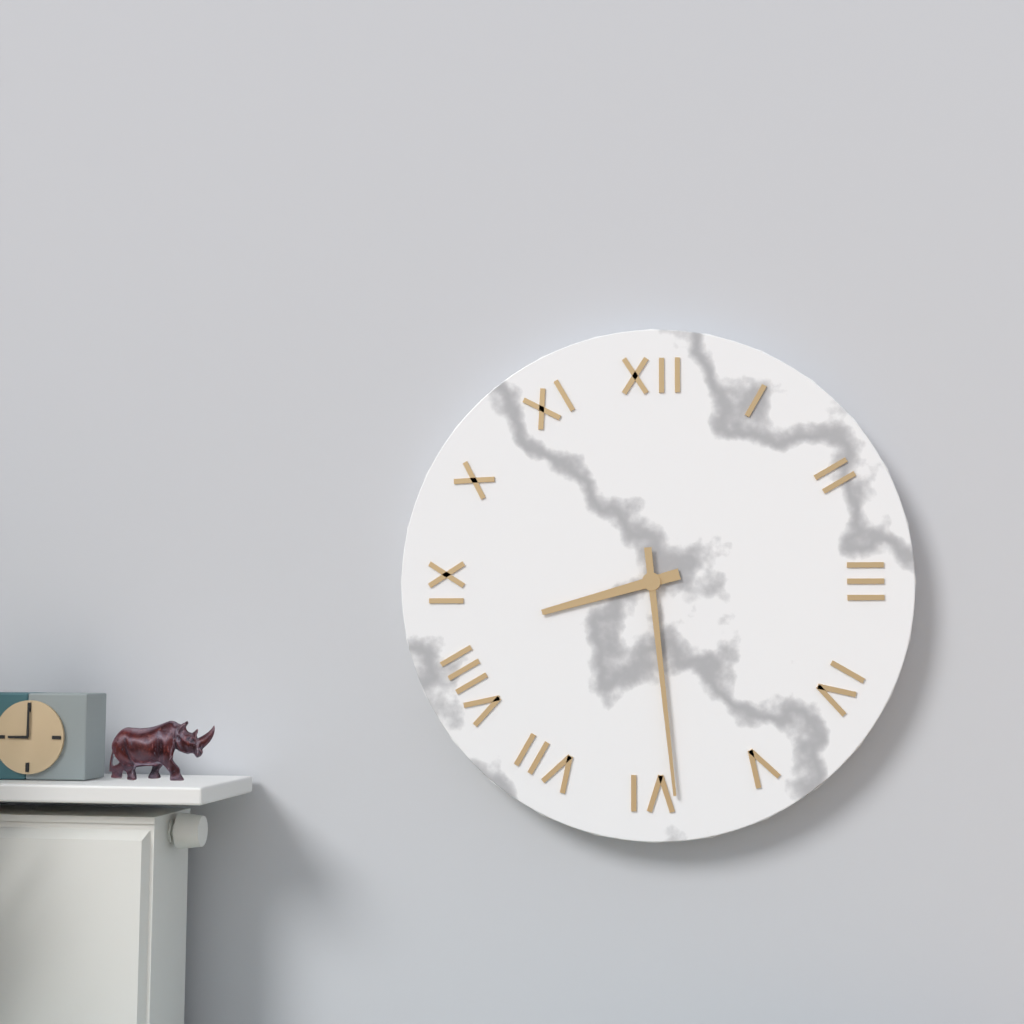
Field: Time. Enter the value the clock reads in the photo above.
8:29
